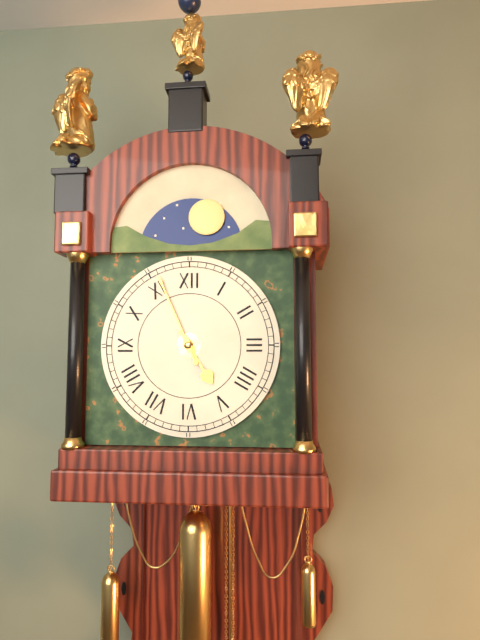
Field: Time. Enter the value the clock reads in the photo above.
4:56
